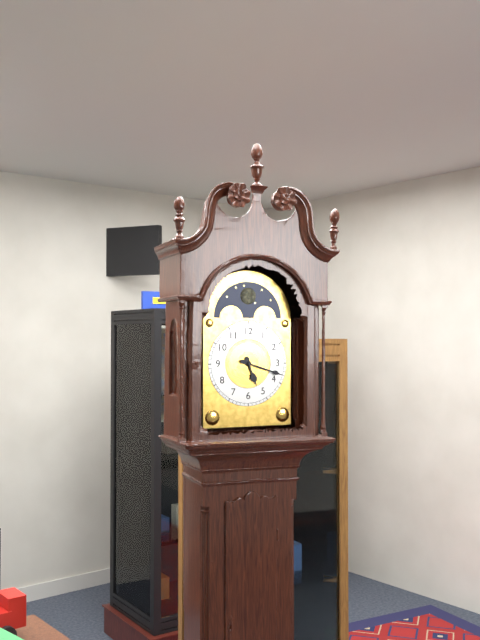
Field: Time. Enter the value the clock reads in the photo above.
5:18
